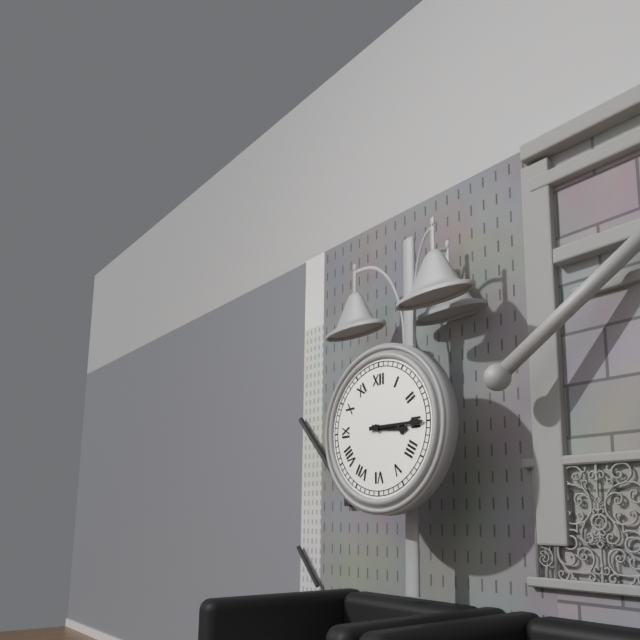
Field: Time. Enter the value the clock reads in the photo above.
3:15
